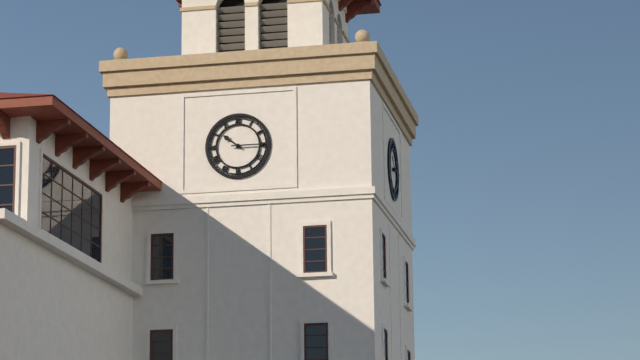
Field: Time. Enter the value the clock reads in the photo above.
10:15
